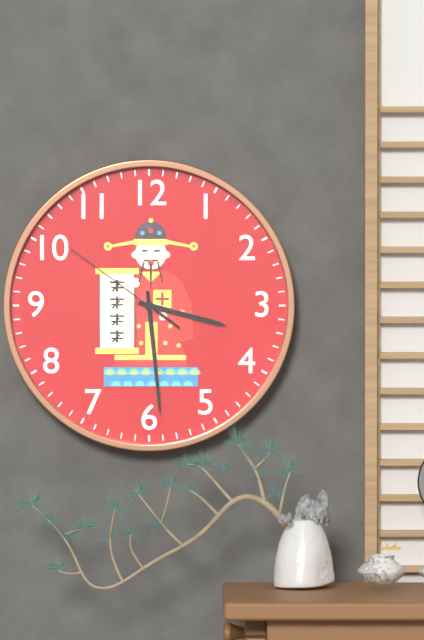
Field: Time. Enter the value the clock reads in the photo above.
3:29:51
